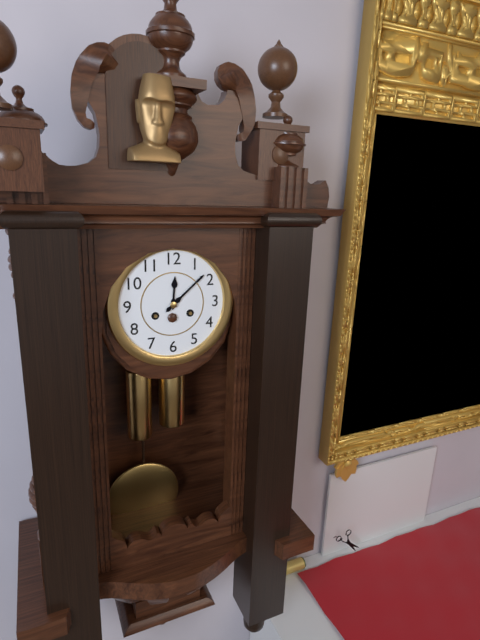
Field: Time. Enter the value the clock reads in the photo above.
12:08
